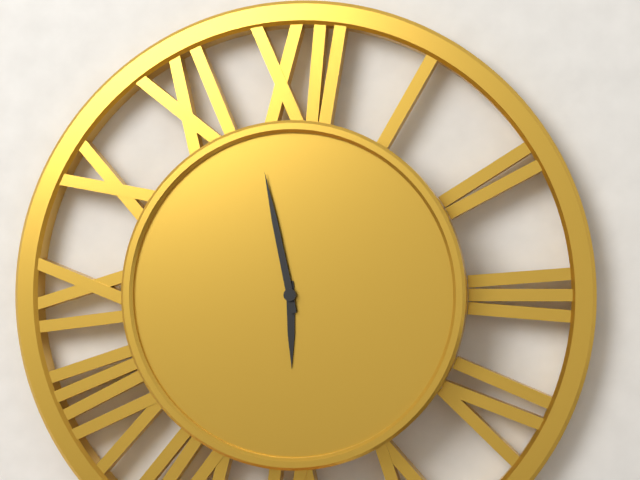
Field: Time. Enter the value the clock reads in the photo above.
5:58
